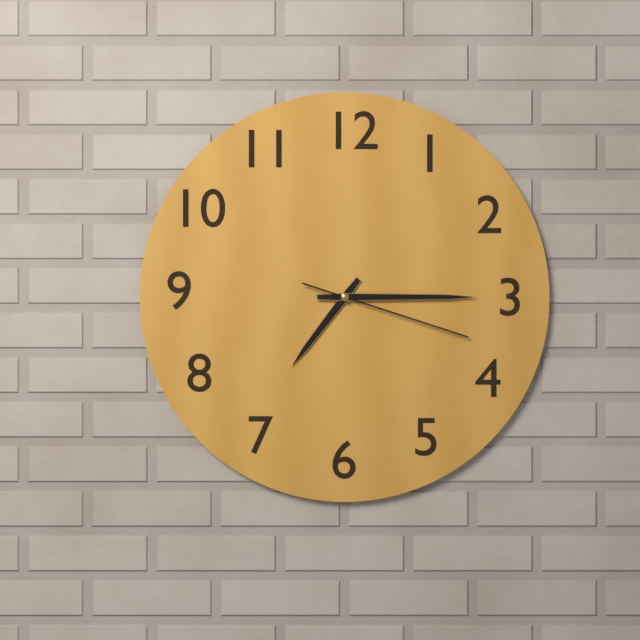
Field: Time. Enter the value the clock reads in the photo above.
7:15:18
